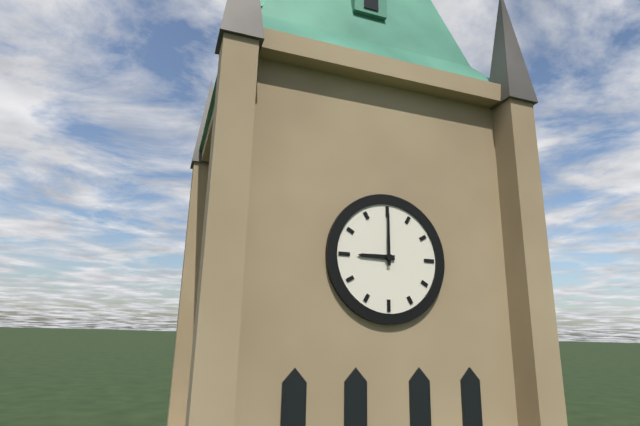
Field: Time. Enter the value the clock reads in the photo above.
9:00
